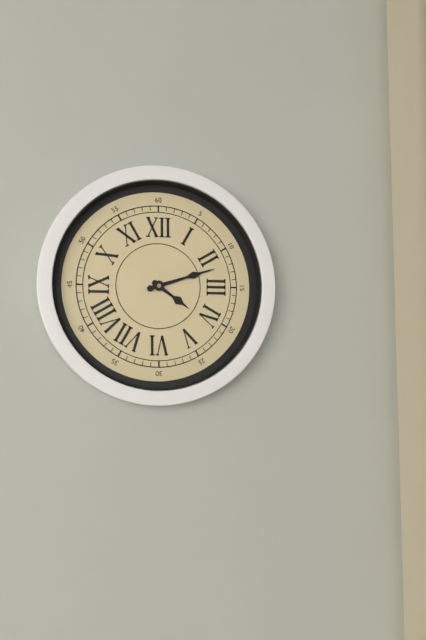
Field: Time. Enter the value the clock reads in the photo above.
4:12
